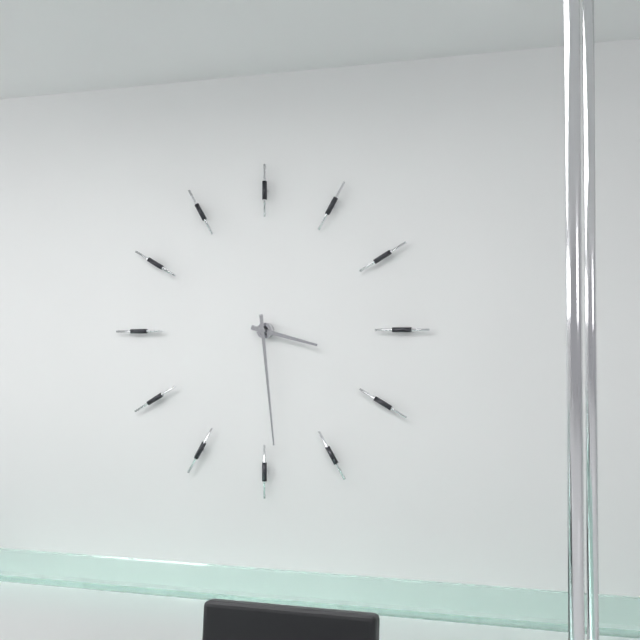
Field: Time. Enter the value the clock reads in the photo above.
3:29
